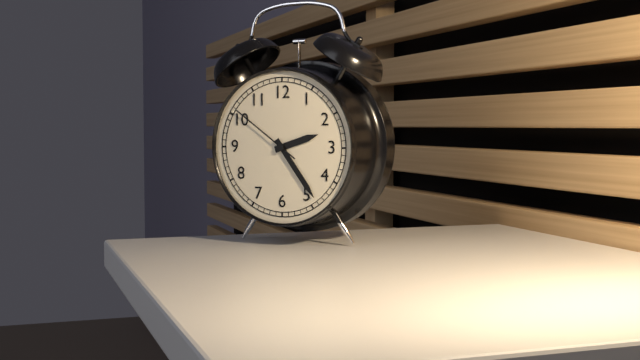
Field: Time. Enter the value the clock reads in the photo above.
2:24:51
